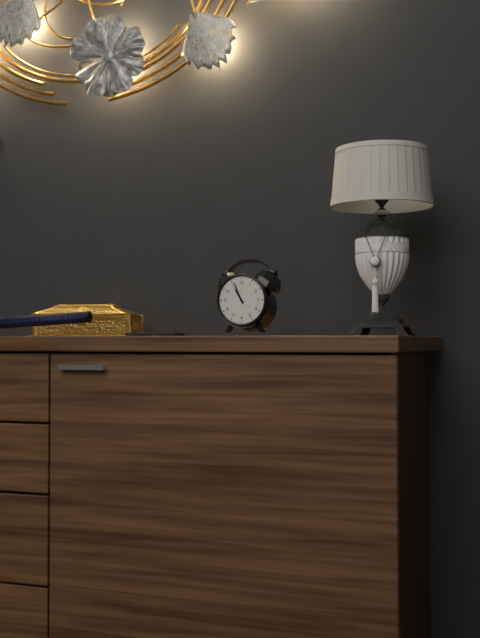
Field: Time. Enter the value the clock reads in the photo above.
10:56
